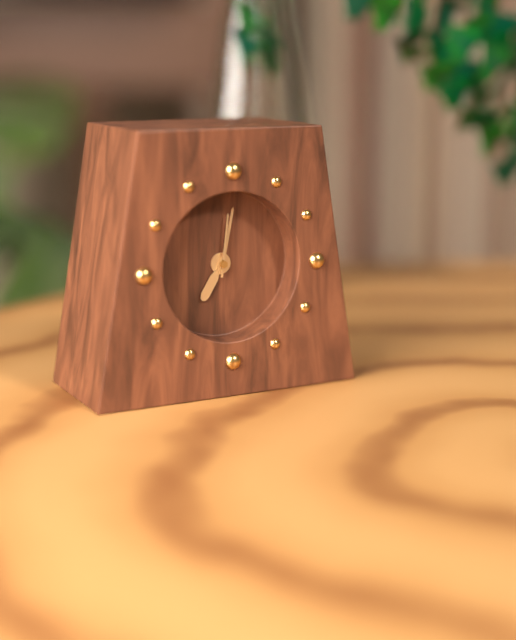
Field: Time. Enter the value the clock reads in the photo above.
7:02:01
